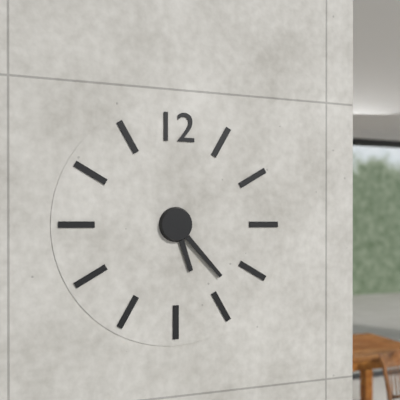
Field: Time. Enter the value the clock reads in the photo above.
5:23
